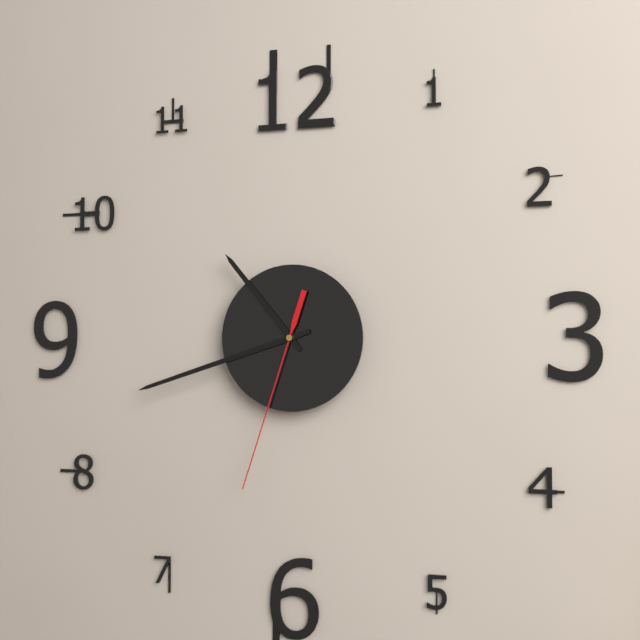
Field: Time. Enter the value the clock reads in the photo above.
10:42:33
